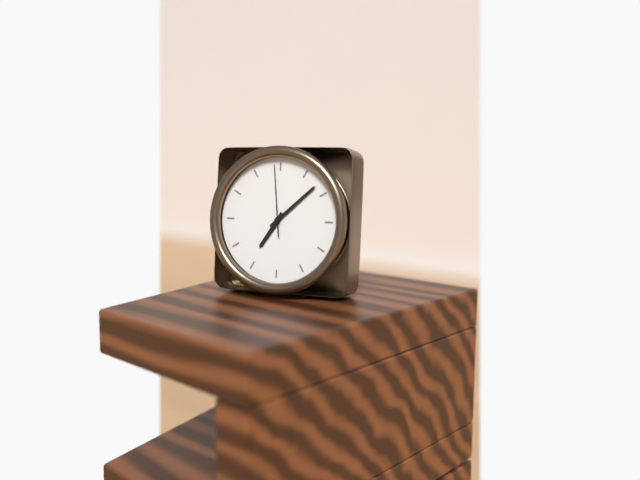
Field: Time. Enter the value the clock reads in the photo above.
7:08:59
